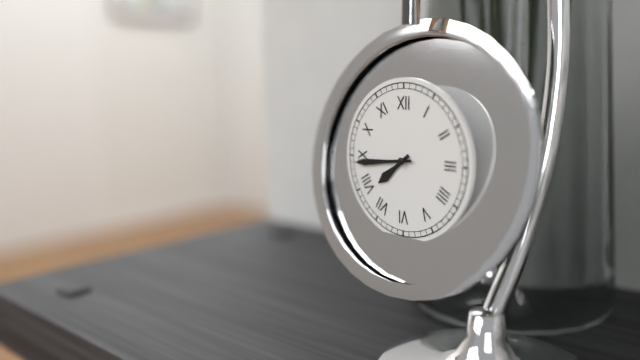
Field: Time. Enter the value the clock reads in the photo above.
7:44
